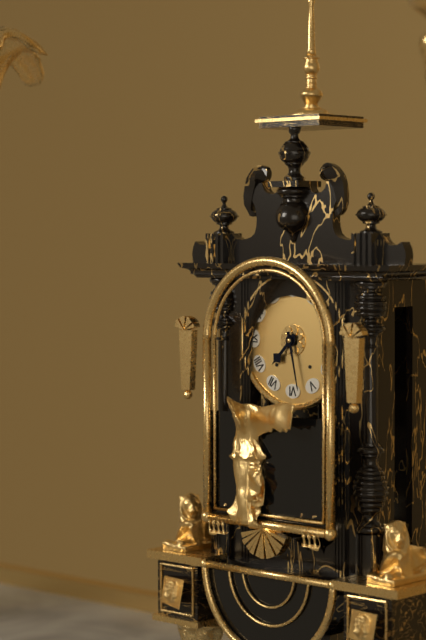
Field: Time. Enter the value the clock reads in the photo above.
7:28
